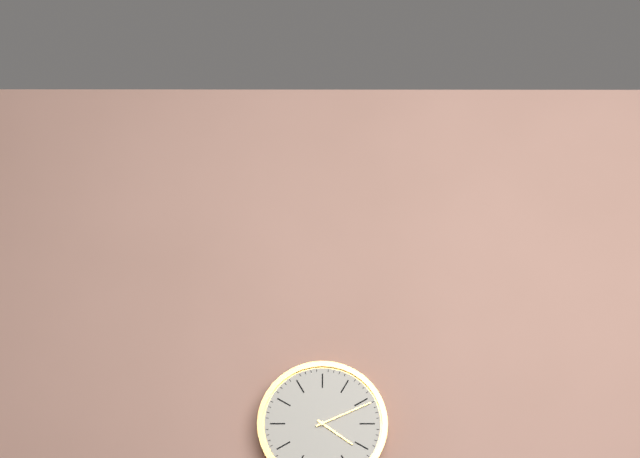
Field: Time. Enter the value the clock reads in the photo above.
4:11
